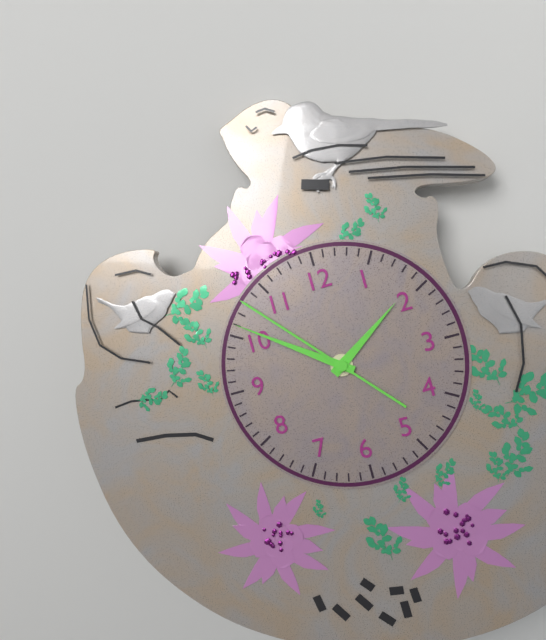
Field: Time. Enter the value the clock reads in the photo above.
1:51:53
